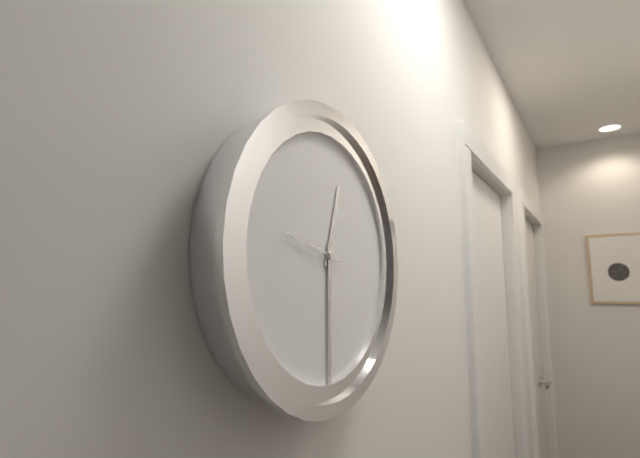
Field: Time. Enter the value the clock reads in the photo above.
12:30:47
